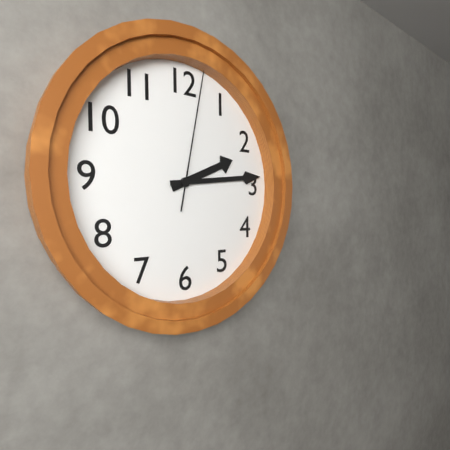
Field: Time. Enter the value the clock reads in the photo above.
2:14:02
